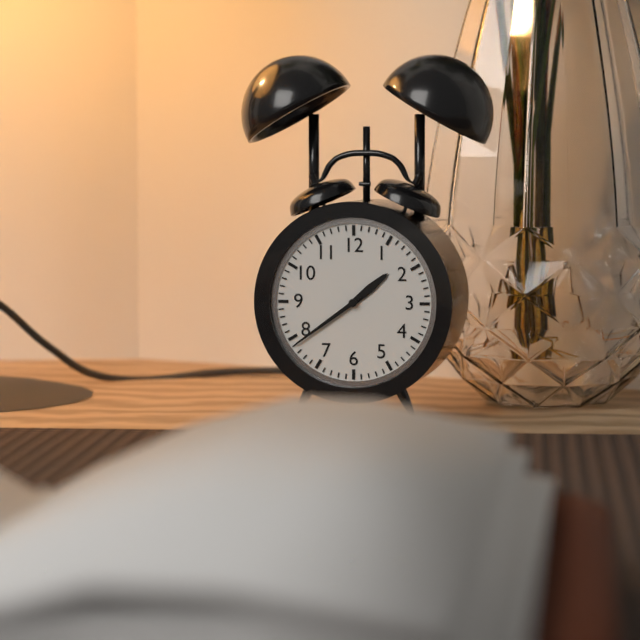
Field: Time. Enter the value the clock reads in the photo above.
1:39
